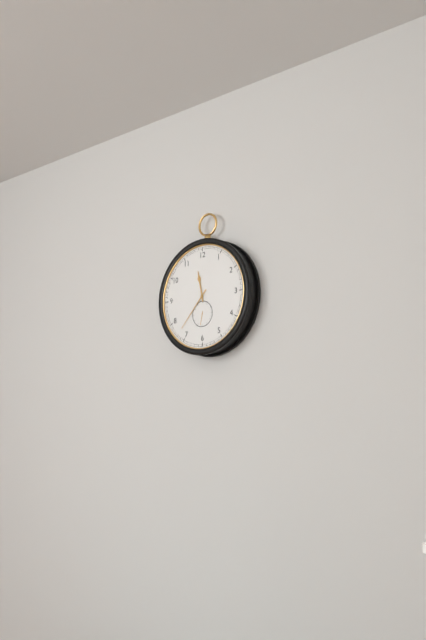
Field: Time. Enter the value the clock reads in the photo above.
11:37
